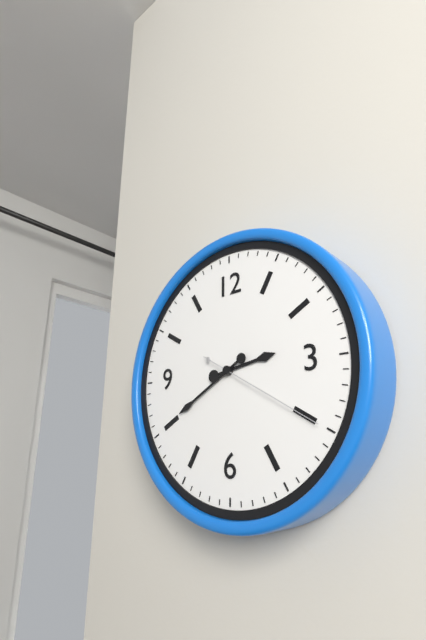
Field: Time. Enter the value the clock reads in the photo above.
2:40:20
